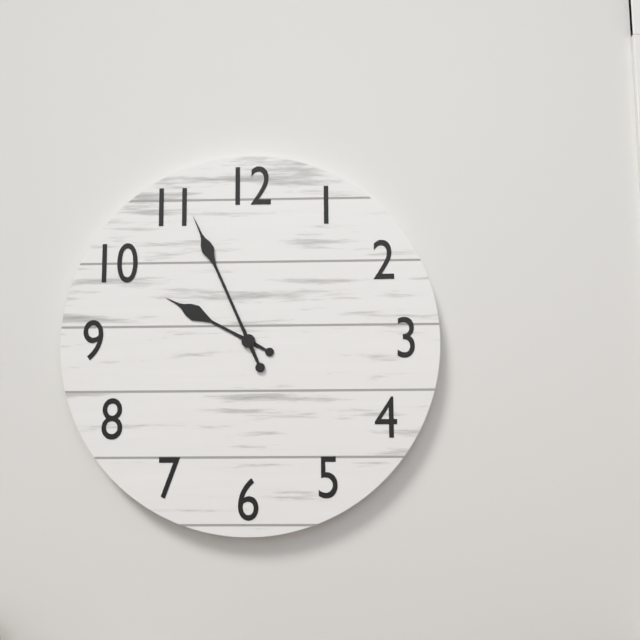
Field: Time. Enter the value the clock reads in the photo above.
9:56
